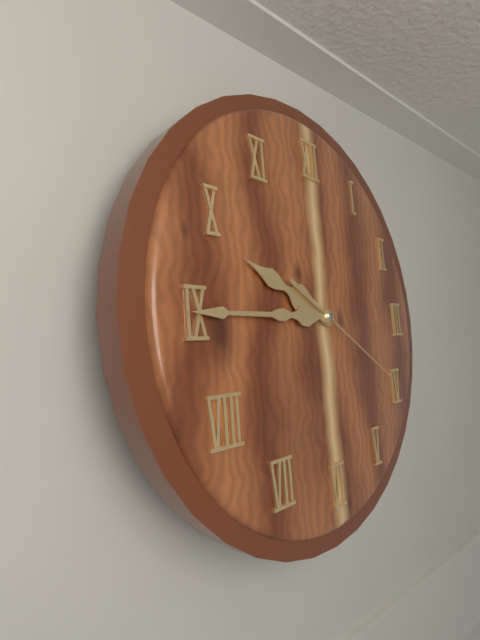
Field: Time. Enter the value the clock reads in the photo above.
9:45:20
